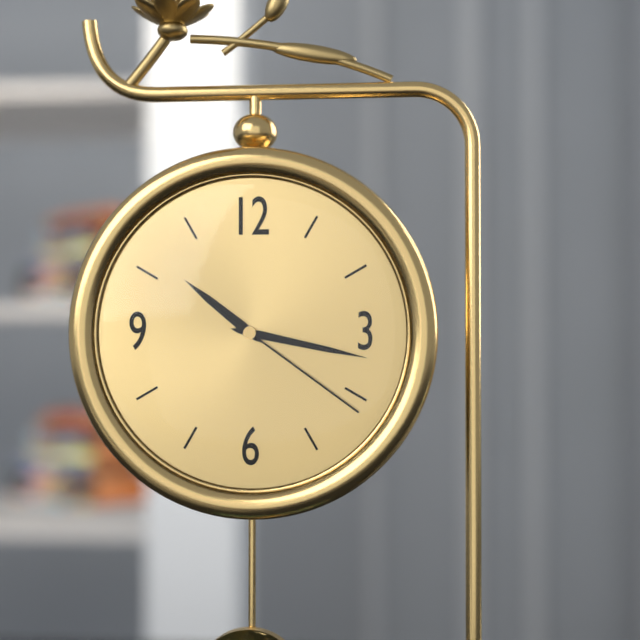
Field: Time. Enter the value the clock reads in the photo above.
10:17:21
